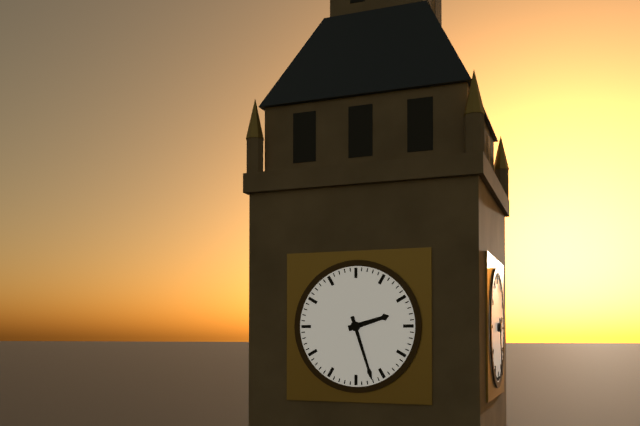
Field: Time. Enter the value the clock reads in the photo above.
2:27
